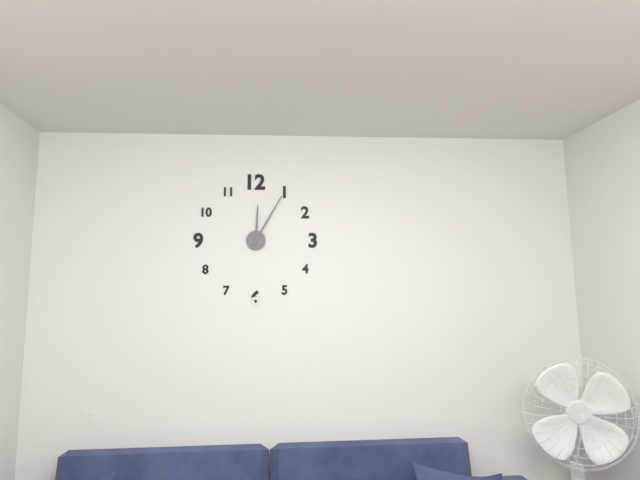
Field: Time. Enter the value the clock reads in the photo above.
12:05
